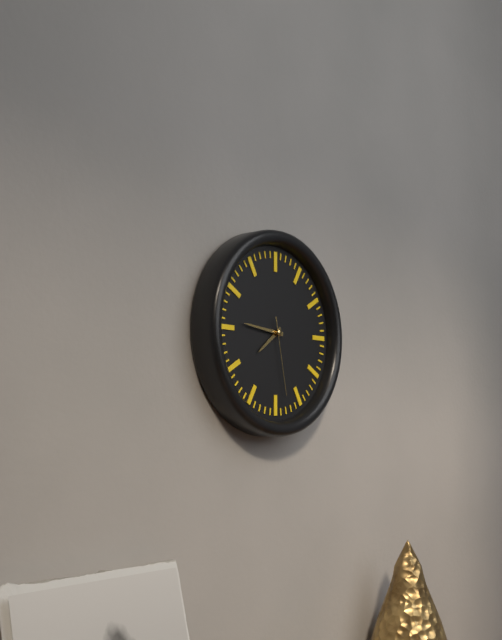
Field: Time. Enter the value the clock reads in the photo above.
7:46:28
